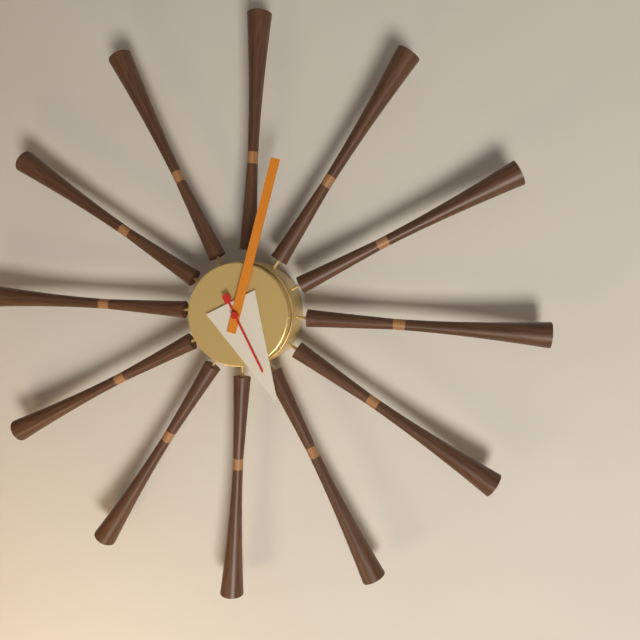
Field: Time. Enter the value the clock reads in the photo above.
5:02:25
